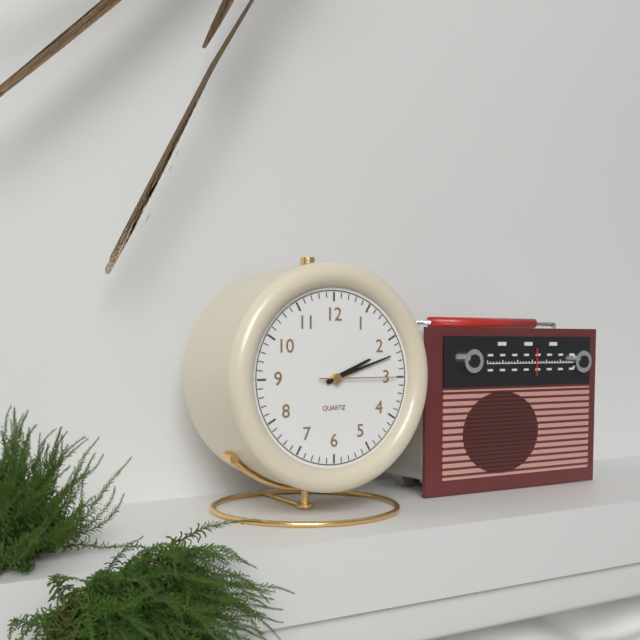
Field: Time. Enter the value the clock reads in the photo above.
2:12:15
